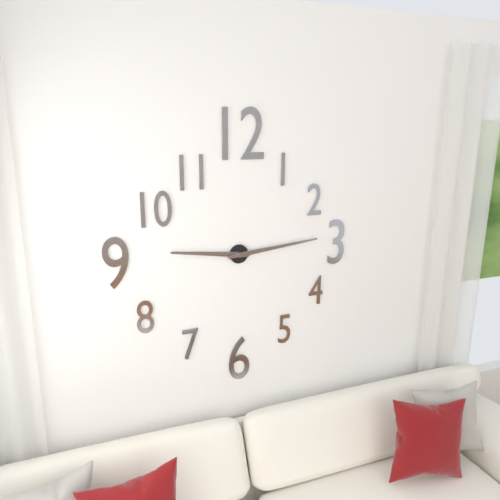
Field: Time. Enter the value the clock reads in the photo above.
9:14
